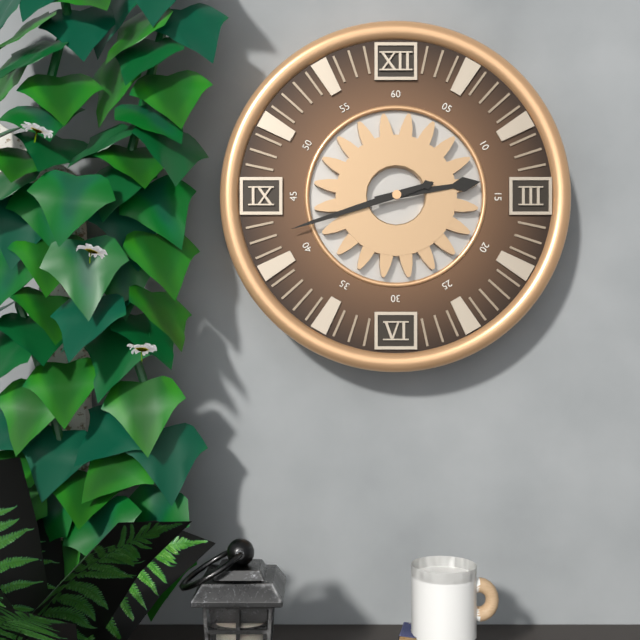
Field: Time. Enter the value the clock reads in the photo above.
2:42
